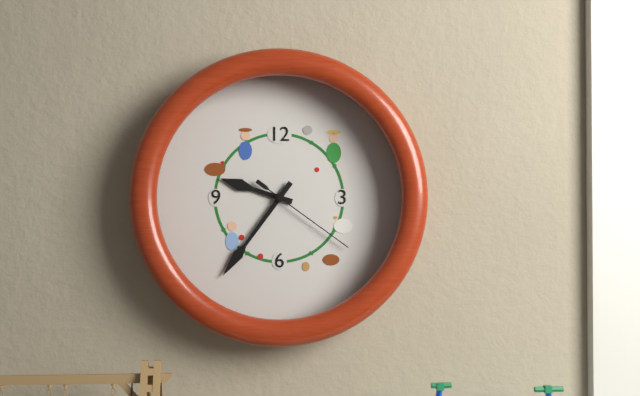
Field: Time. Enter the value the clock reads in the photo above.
9:36:21
